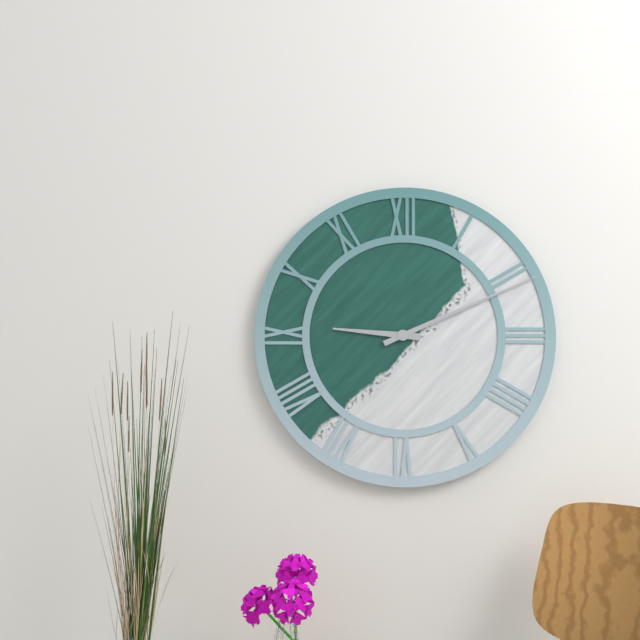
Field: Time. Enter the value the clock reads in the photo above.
9:11
